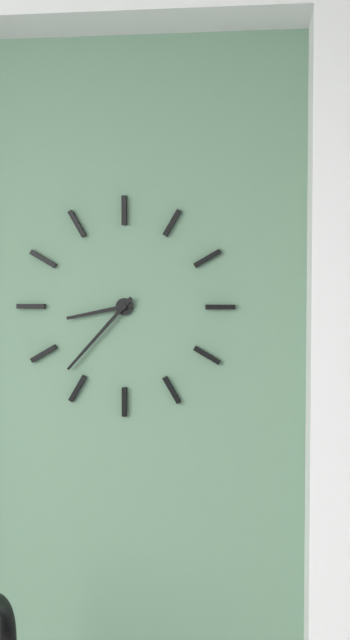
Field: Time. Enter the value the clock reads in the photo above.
8:37
